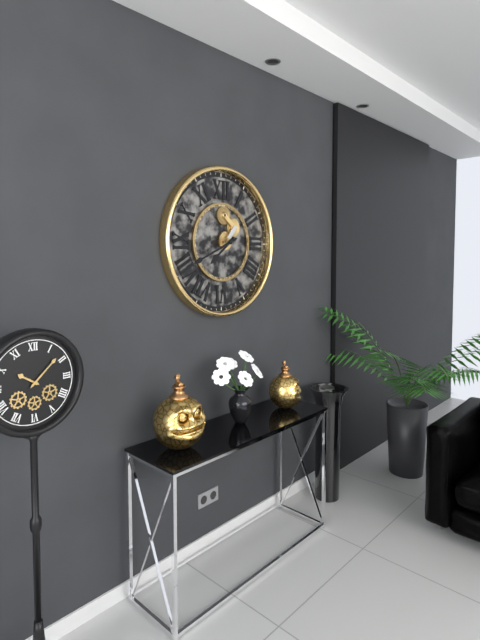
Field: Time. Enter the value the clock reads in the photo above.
7:41
